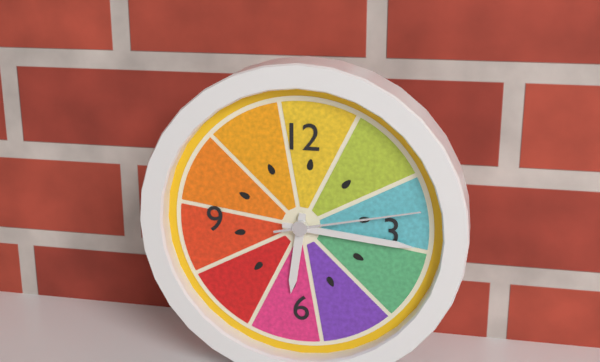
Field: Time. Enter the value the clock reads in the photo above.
6:16:13
